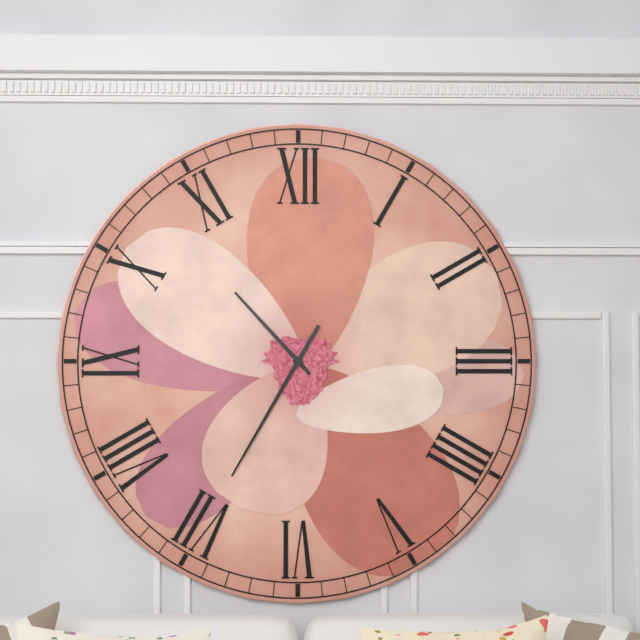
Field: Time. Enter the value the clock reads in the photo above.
10:35
